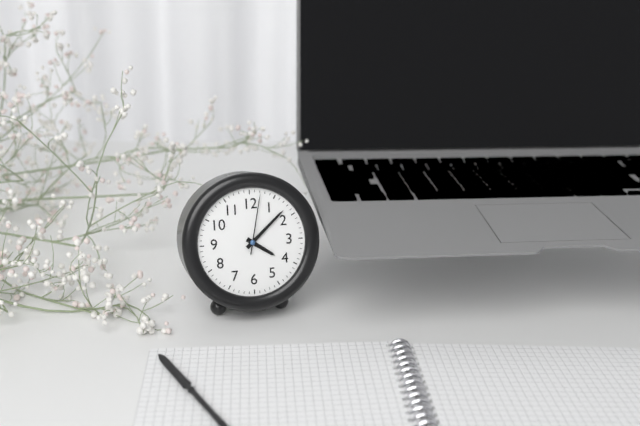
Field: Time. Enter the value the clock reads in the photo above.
4:08:02
